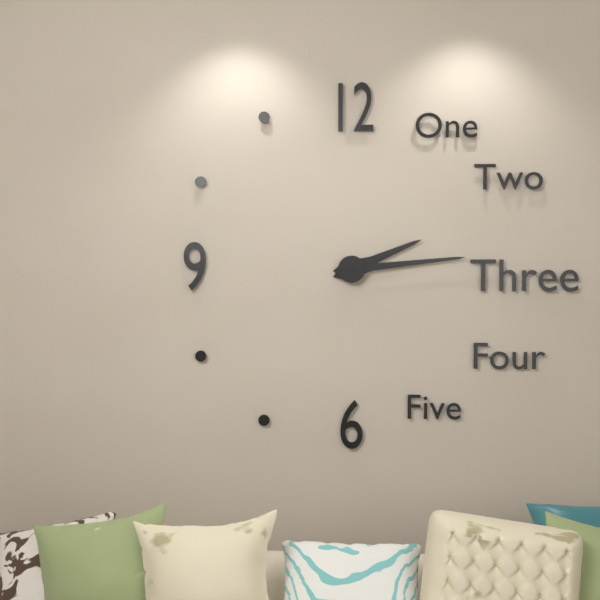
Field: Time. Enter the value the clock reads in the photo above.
2:14
